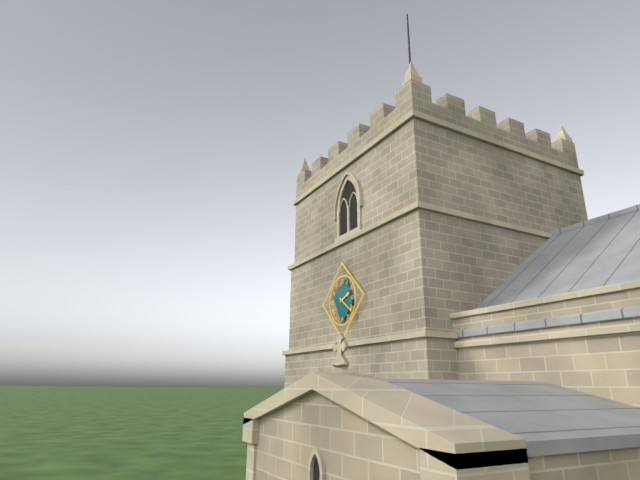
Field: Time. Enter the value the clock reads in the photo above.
2:21
